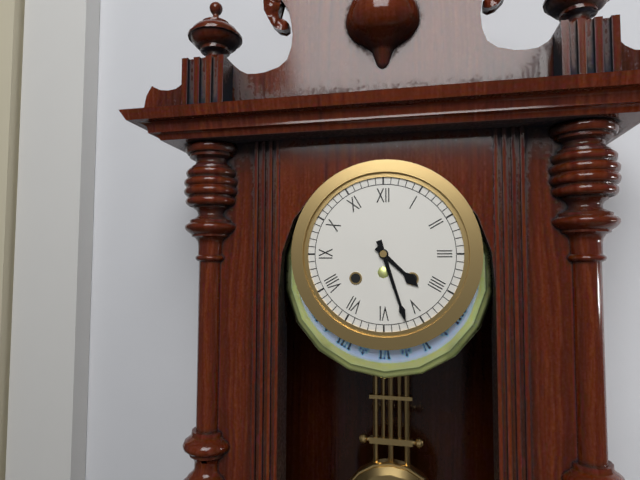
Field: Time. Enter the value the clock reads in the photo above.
4:27
